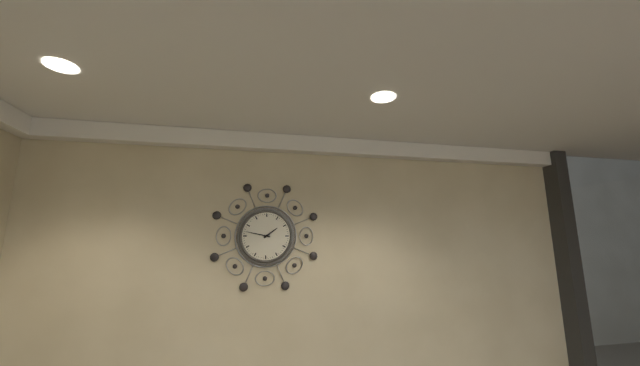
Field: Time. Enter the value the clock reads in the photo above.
1:47
